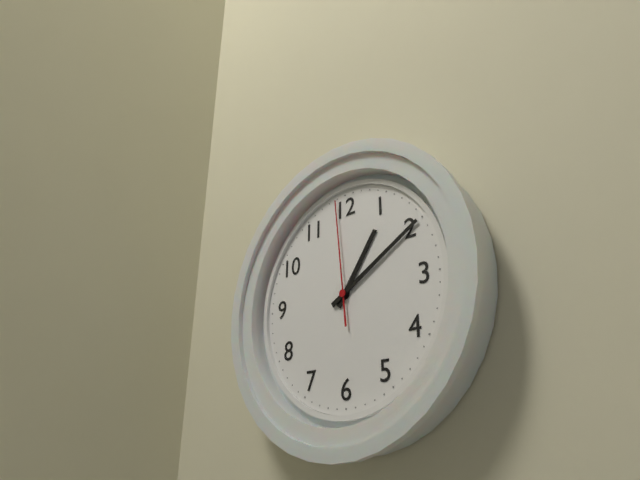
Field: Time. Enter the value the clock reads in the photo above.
1:10:59
